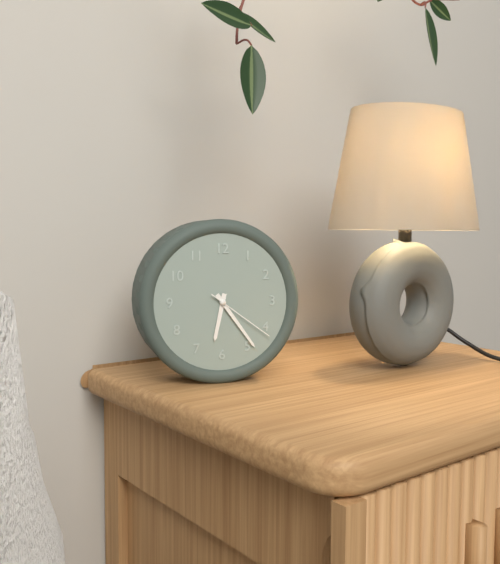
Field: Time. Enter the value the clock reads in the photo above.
6:24:21
